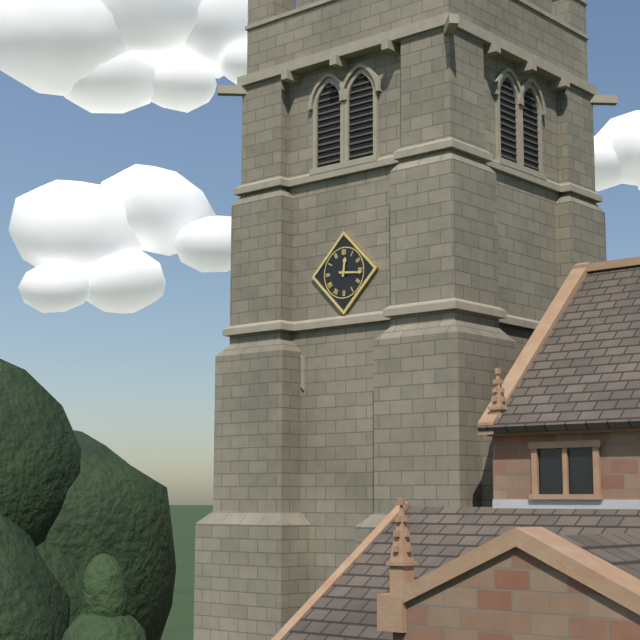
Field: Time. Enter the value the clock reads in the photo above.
12:16
